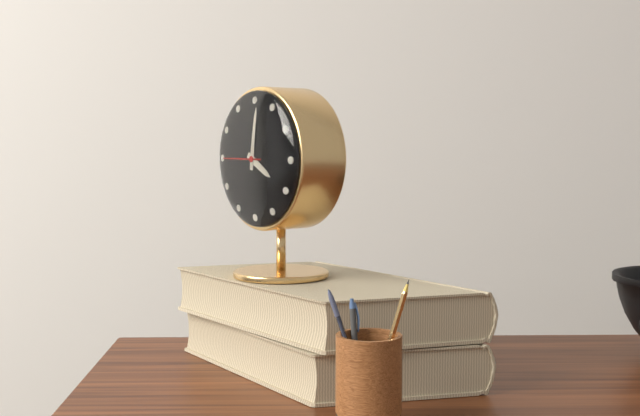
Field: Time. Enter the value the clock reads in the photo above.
4:01
